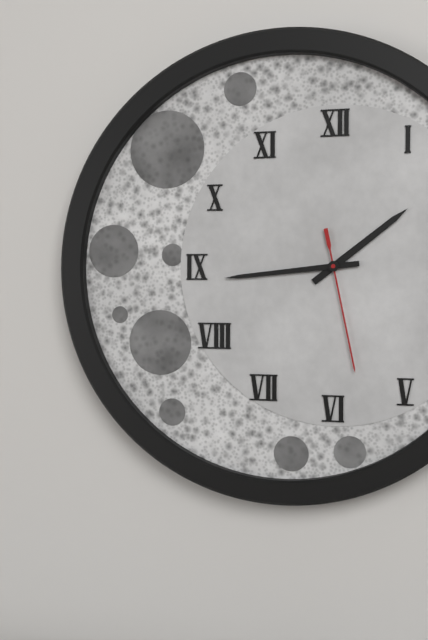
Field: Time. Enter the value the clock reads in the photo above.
1:44:28
